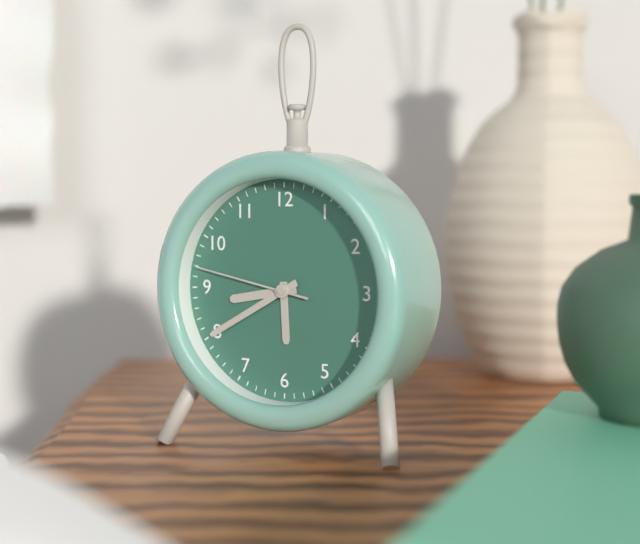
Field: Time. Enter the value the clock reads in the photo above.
8:40:47
